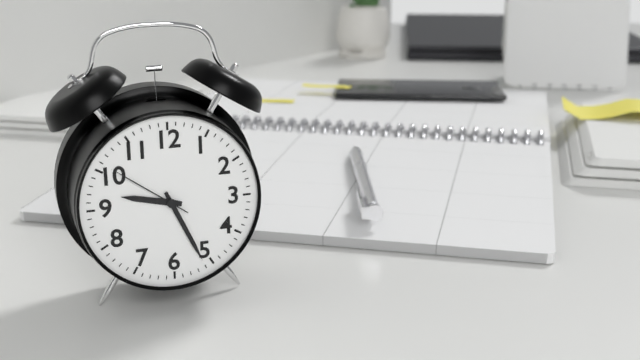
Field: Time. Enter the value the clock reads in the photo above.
9:26:51
